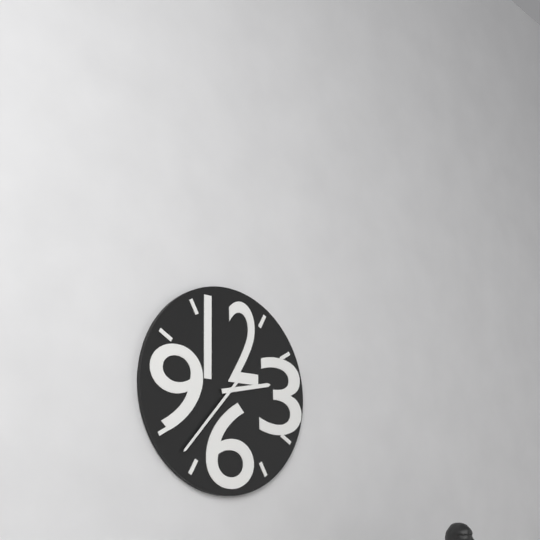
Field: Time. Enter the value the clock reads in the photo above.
2:37
